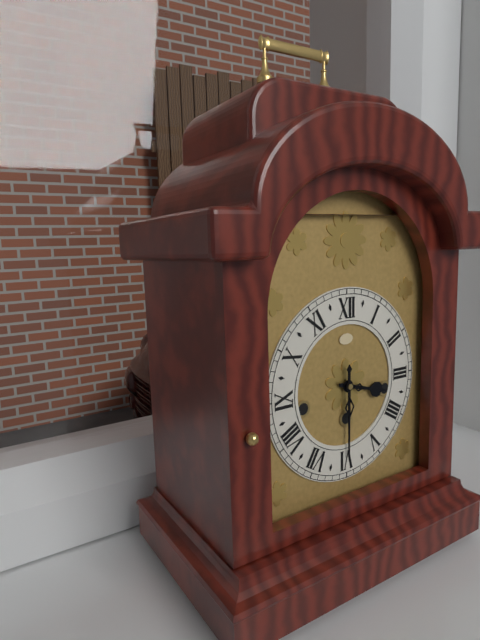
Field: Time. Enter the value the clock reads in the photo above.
3:30
